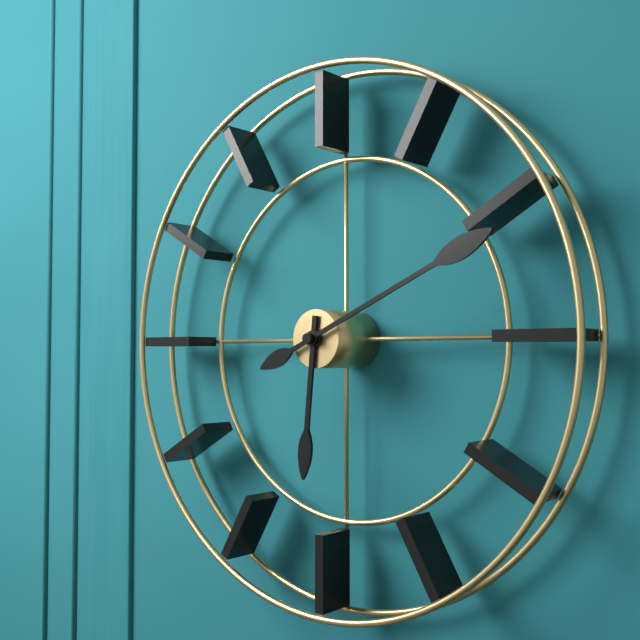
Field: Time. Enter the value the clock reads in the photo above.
6:11
